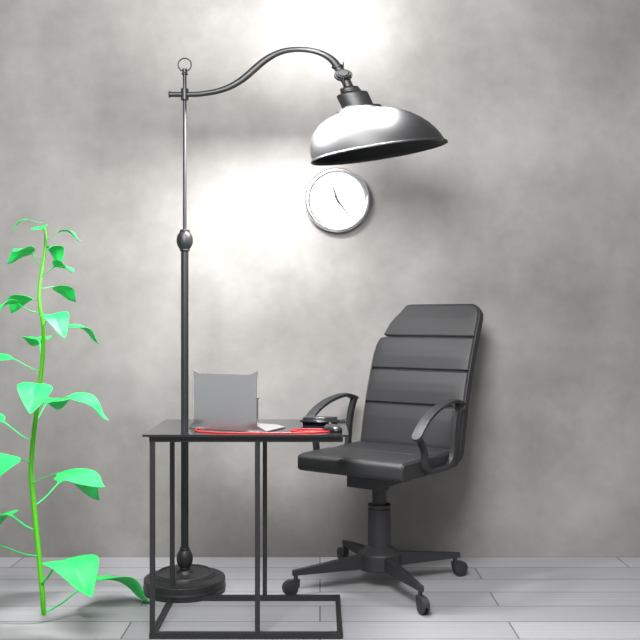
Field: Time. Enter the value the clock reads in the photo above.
11:24
